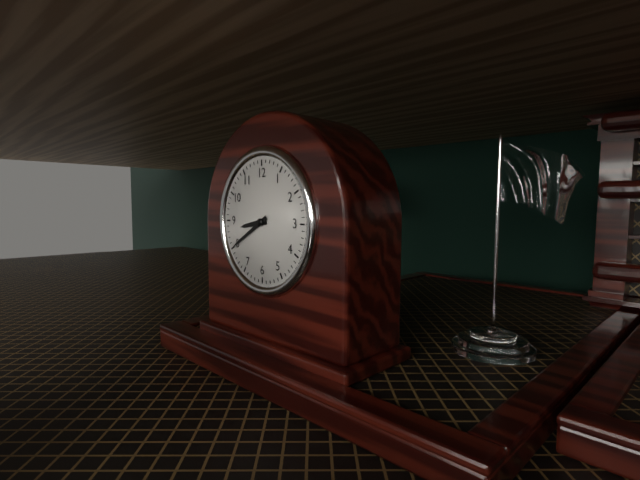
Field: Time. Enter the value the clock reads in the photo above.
8:40
